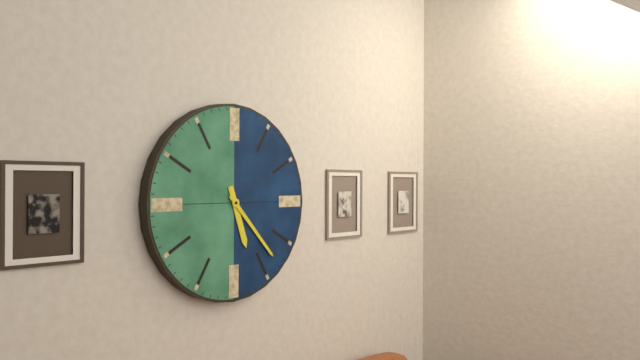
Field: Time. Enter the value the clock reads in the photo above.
5:23
